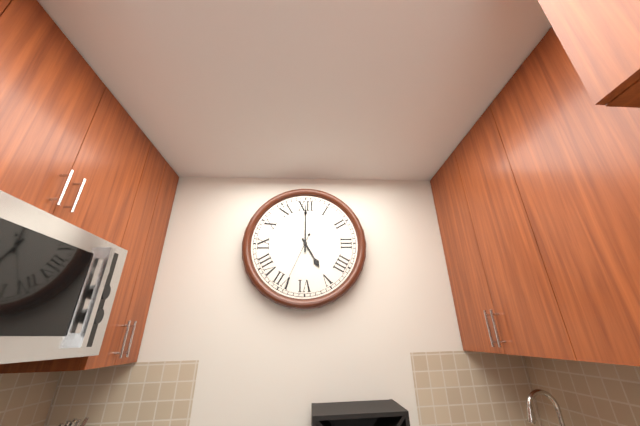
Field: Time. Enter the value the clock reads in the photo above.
5:00:34
